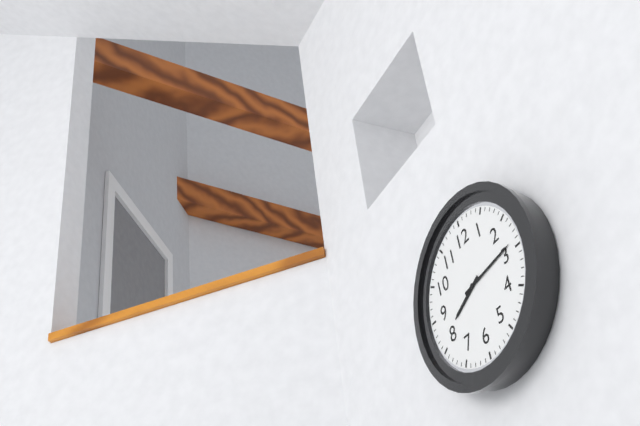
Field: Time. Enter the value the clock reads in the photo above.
8:14
